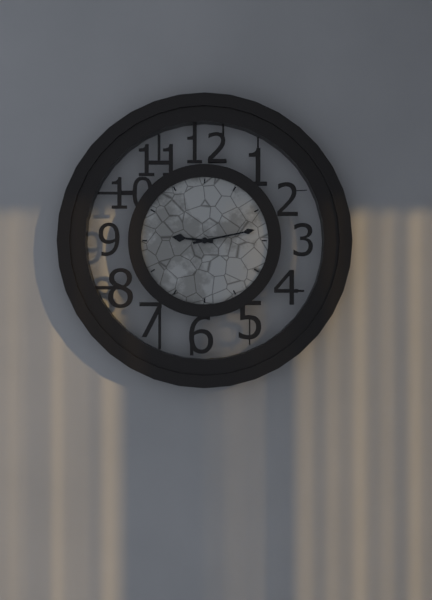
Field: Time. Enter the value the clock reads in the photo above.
9:13
